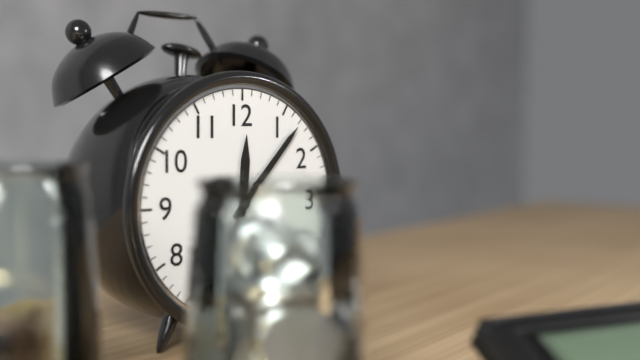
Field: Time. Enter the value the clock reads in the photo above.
12:07:35
